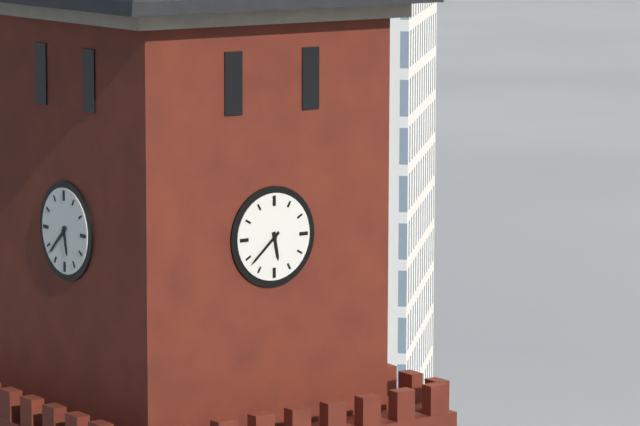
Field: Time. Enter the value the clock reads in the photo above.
5:38
